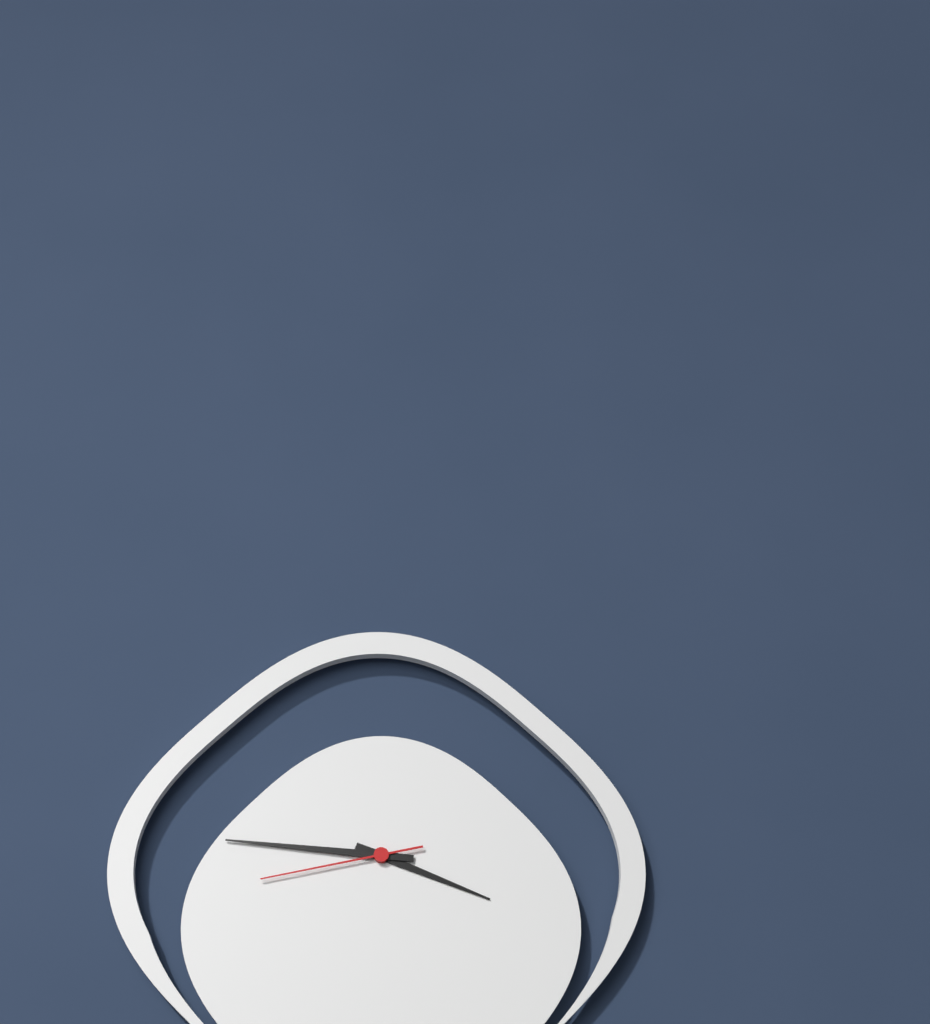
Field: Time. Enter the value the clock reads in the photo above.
3:46:43
